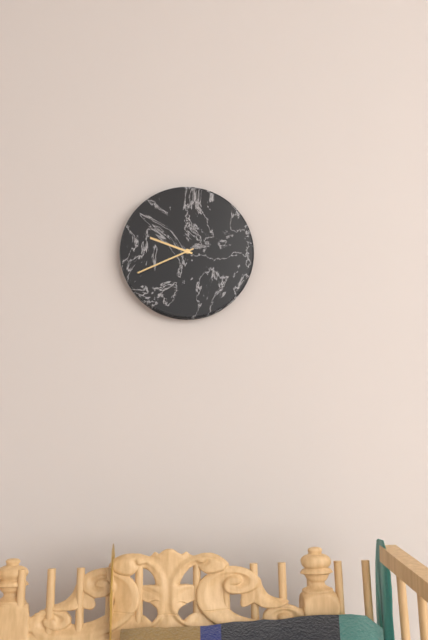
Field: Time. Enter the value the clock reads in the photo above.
9:41
